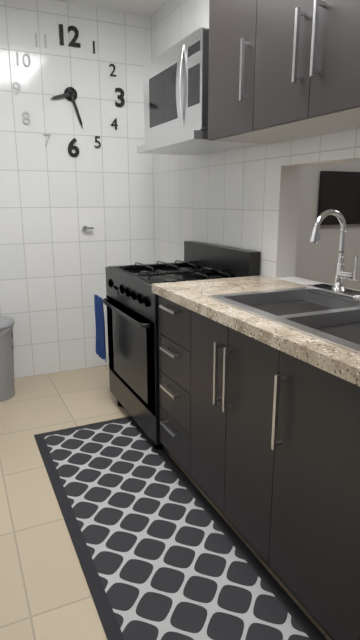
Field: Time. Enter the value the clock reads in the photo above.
8:27
